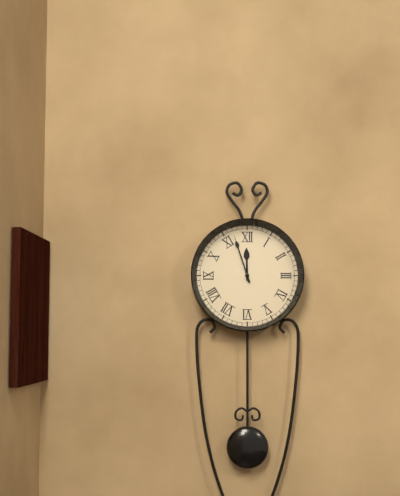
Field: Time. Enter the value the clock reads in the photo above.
11:57
